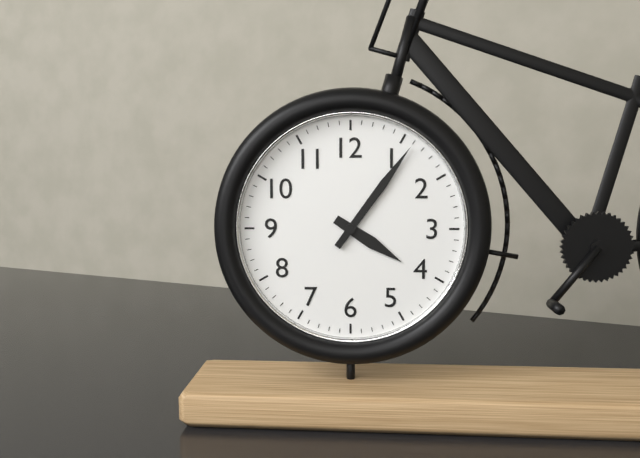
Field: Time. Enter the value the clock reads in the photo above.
4:06
